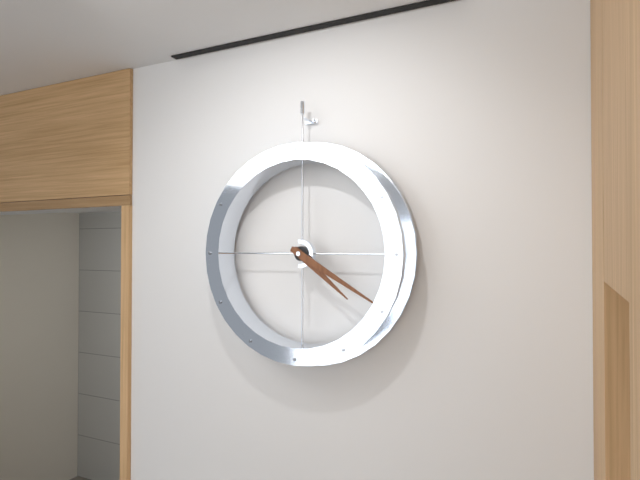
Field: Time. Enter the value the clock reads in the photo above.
4:20
